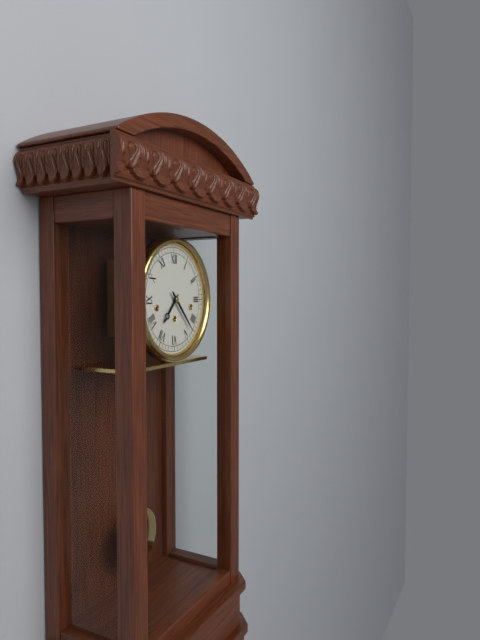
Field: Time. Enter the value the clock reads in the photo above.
7:23
